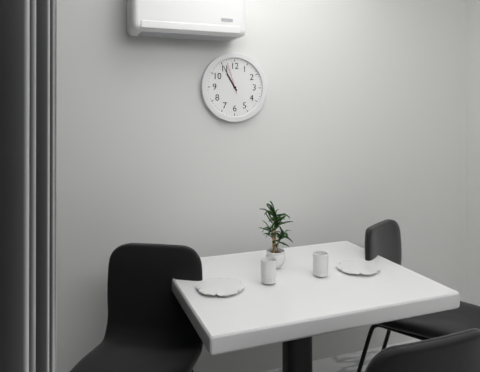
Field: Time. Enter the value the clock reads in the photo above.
10:55
